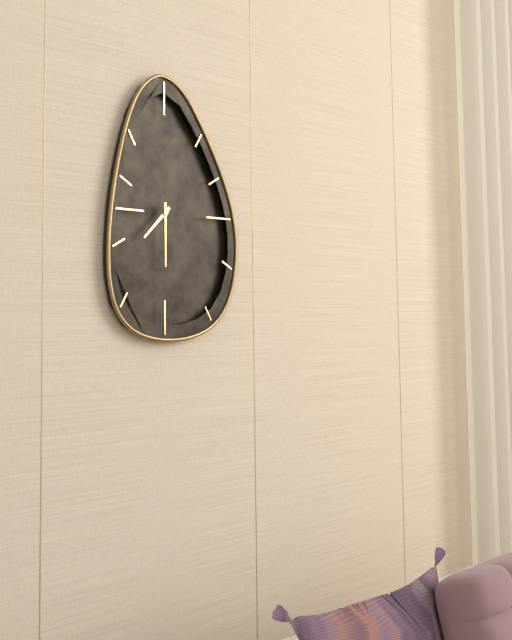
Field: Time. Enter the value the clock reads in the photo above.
7:30
